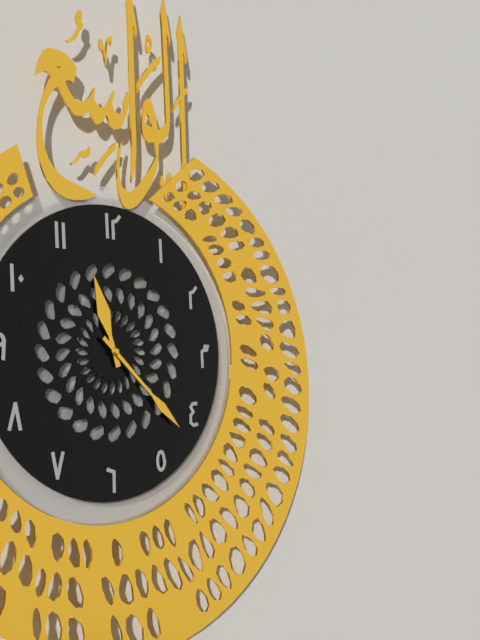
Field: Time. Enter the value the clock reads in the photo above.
11:22
